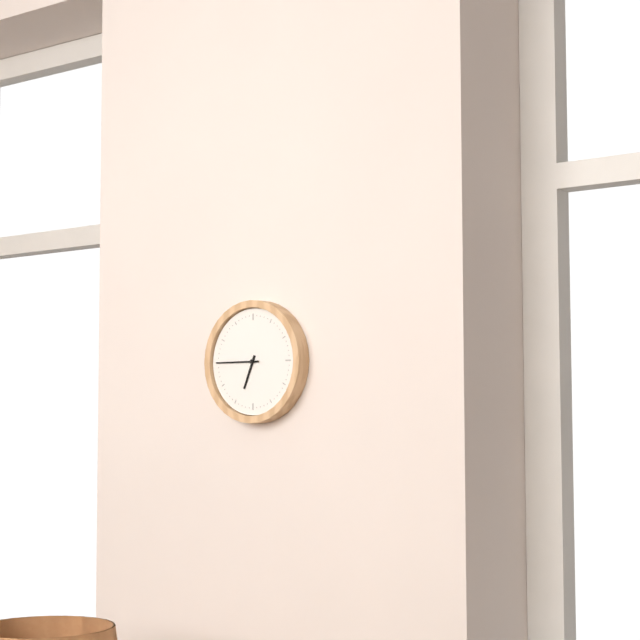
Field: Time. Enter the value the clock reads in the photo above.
6:45
